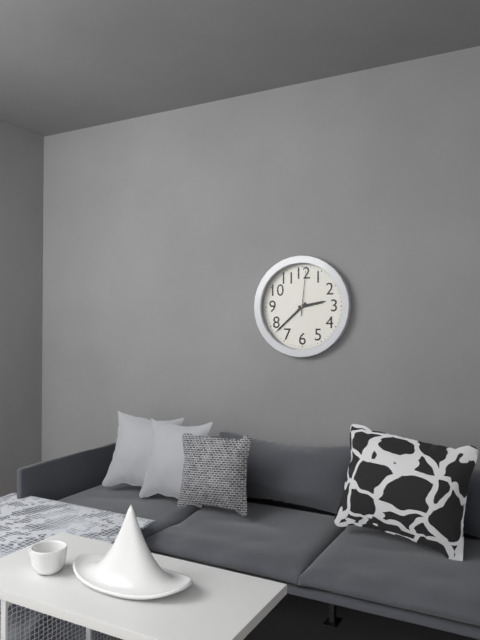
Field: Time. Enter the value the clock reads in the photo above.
2:38
